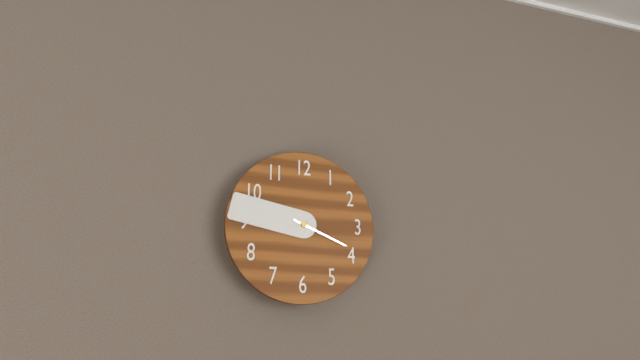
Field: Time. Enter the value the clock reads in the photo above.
3:47
